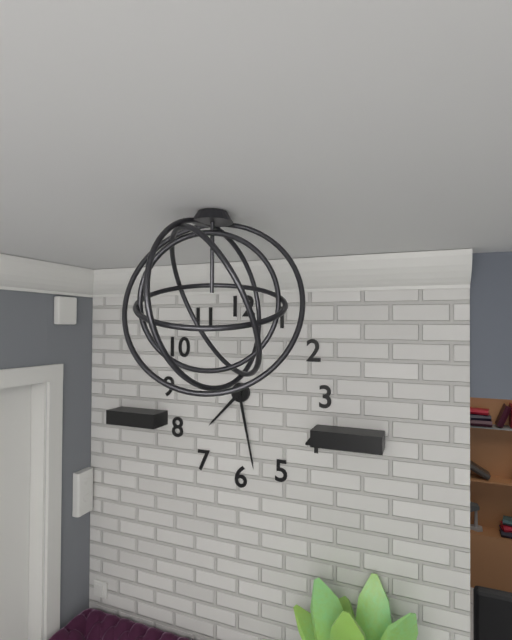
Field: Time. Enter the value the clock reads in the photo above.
7:28
